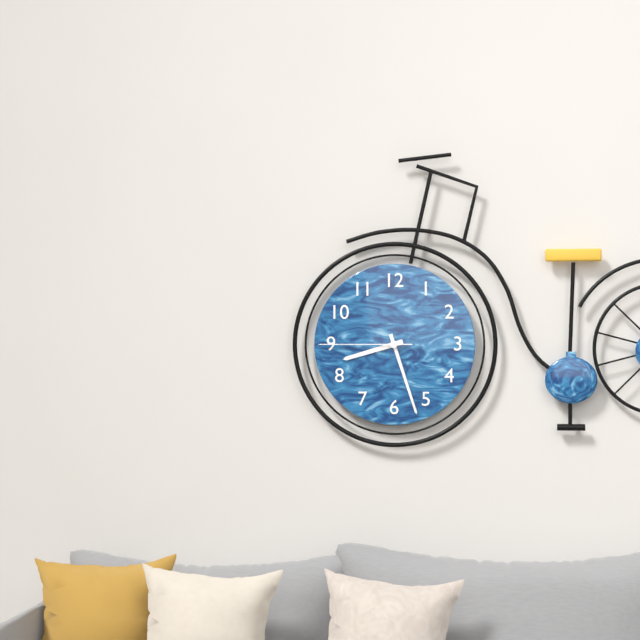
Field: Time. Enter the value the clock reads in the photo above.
8:27:45
